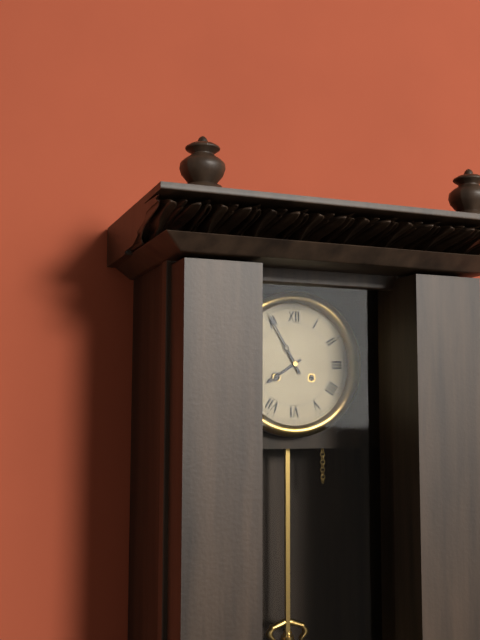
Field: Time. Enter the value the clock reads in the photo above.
7:55
